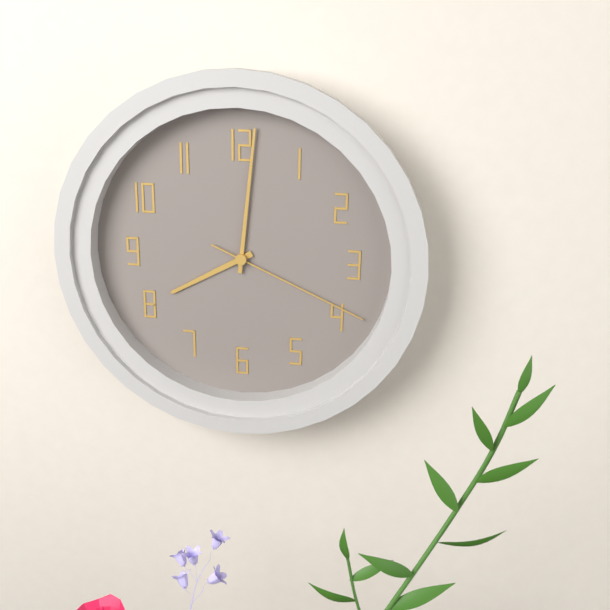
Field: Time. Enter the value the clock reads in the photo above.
8:01:19
